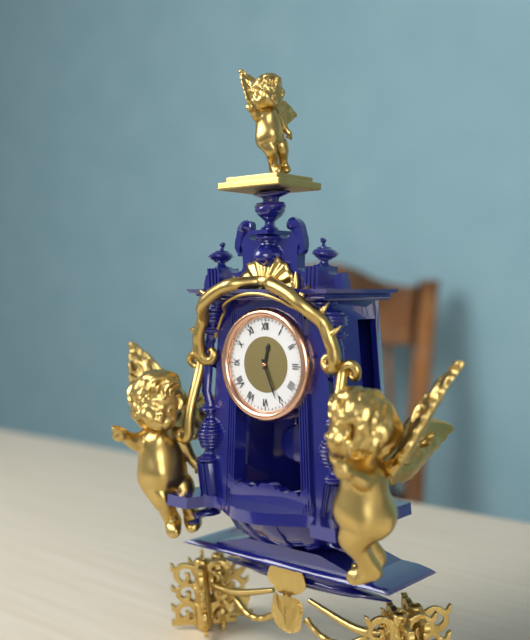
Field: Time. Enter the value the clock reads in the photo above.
12:26
